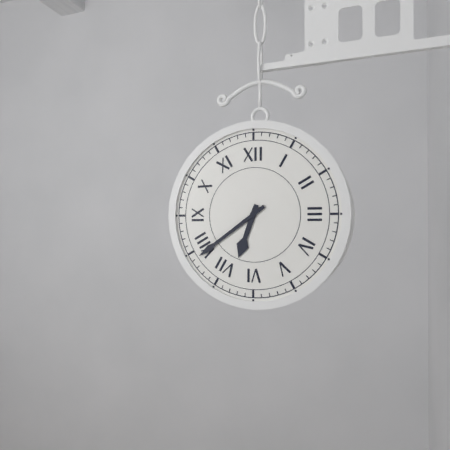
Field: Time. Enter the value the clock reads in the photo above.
6:39
